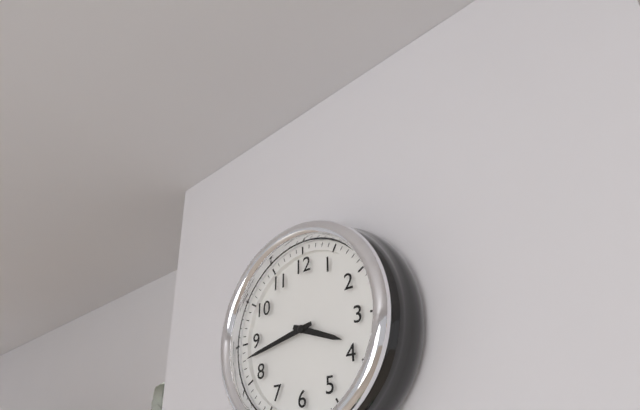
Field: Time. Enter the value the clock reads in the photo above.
3:43
